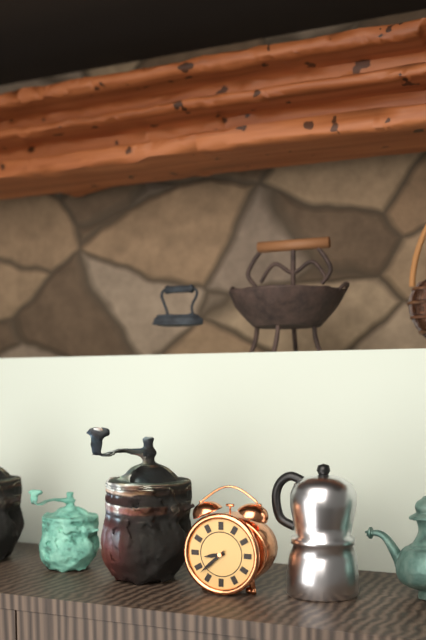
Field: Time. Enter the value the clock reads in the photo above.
8:38
